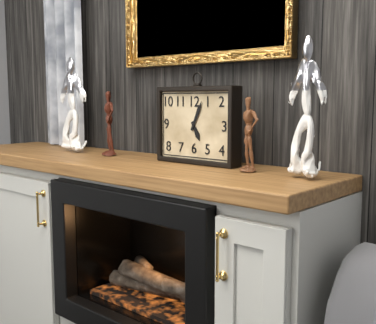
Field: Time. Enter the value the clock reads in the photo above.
5:04
